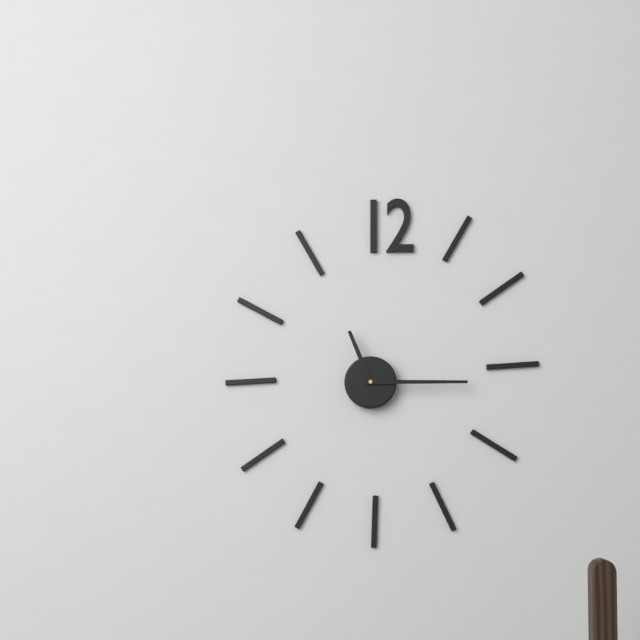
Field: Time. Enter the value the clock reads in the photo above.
11:15
